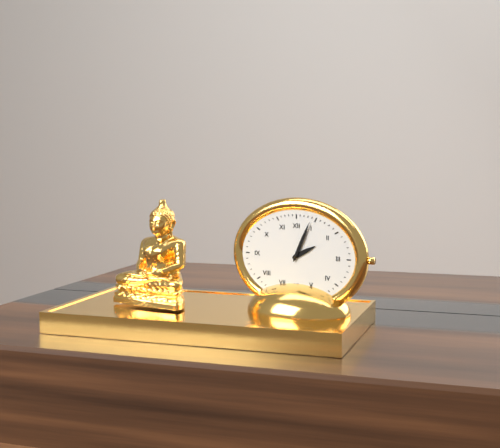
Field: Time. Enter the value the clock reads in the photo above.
2:04
